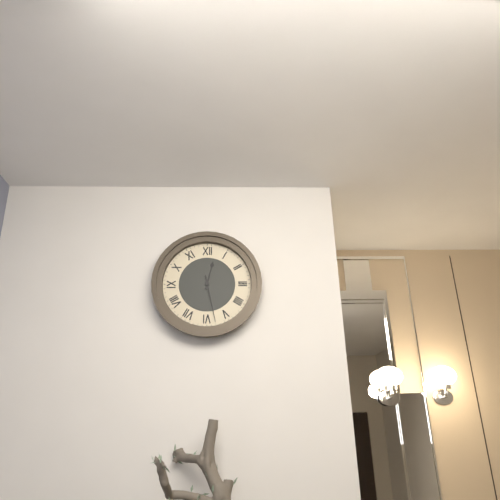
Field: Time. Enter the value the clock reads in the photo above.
12:28
